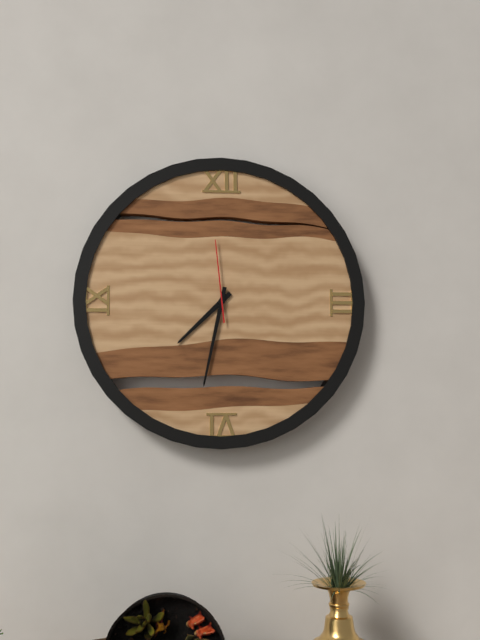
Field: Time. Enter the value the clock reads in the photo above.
7:32:59
